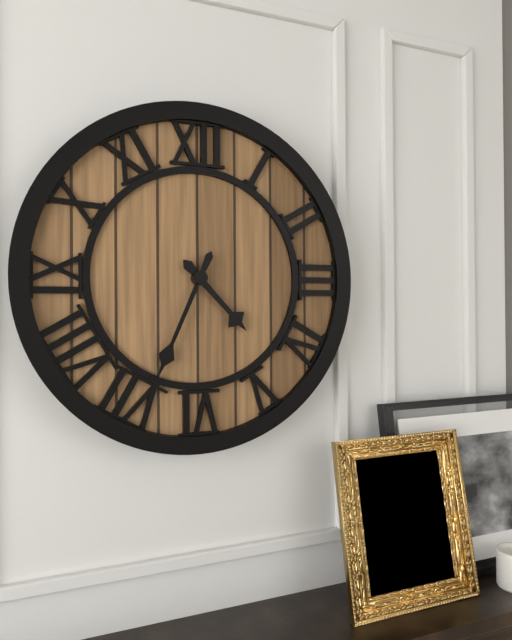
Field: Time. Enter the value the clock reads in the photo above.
4:34
